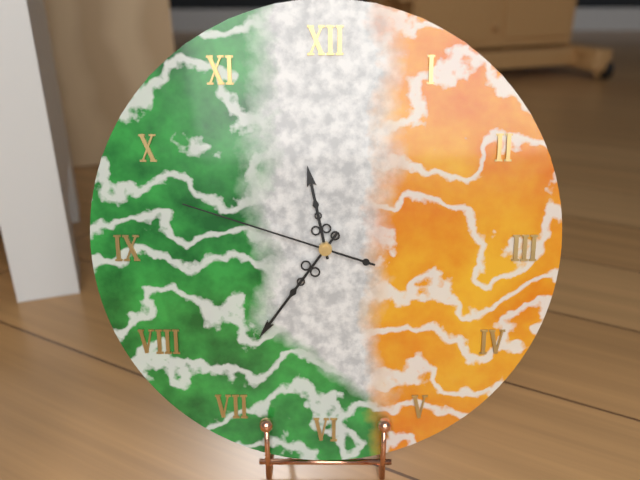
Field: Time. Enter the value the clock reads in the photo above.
11:36:48
